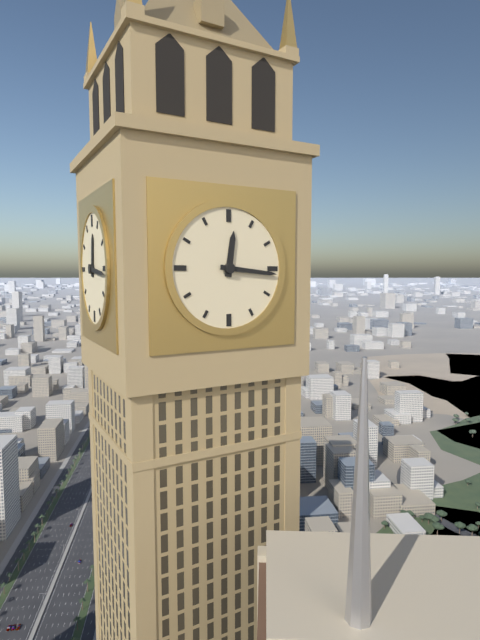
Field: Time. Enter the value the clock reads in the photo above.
12:16
